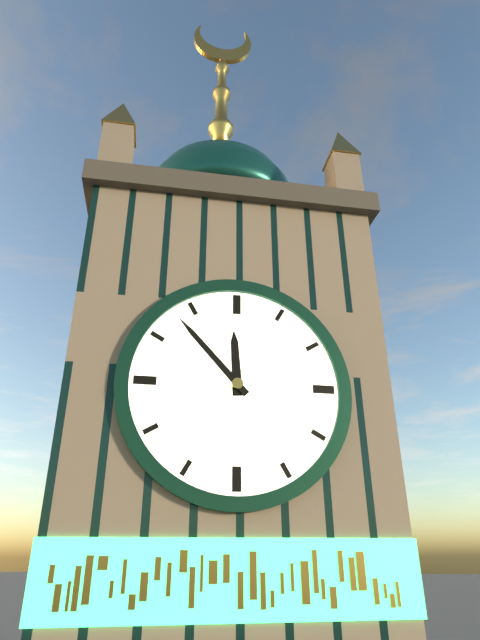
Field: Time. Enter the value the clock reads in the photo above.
11:53
